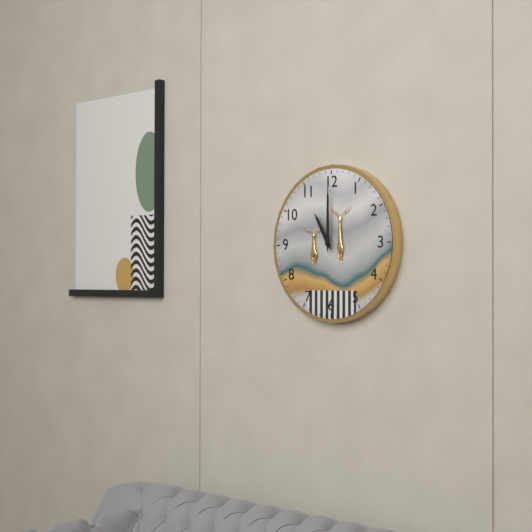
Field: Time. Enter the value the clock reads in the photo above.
11:00
